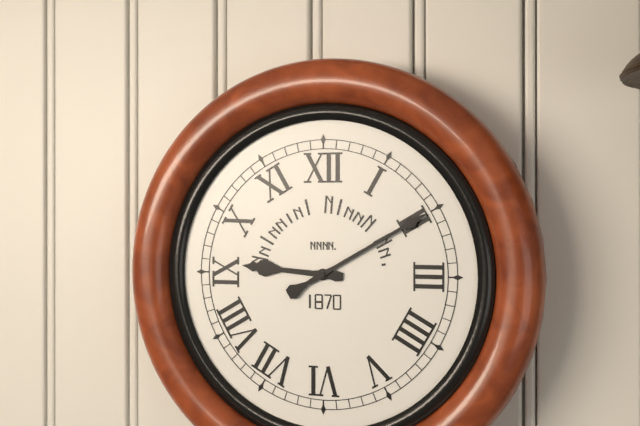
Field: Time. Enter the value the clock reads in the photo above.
9:10
